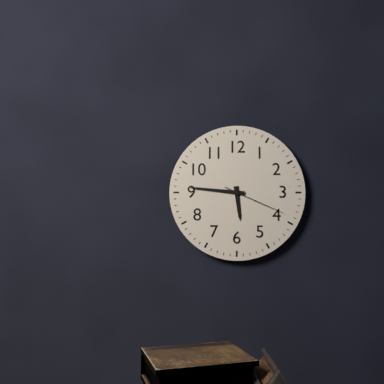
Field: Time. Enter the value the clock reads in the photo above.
5:46:19
